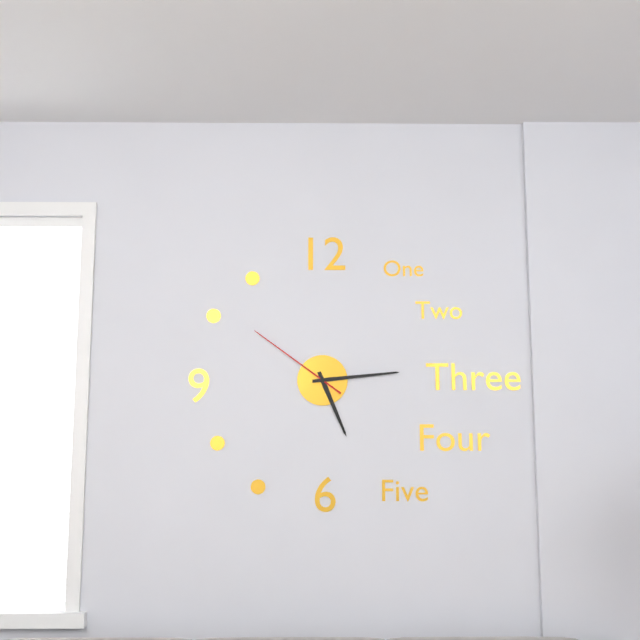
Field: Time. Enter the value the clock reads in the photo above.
5:14:51
